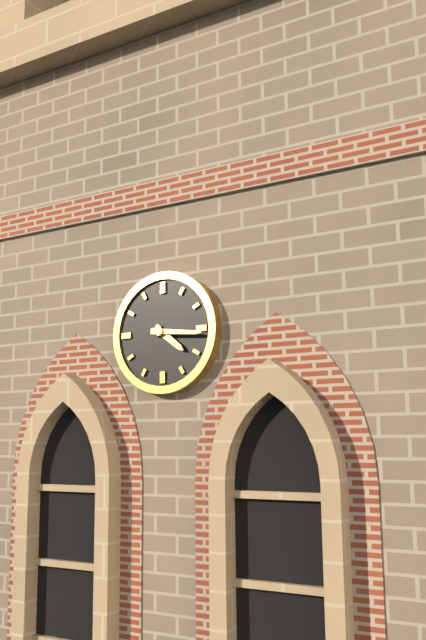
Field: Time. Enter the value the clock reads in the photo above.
4:16
